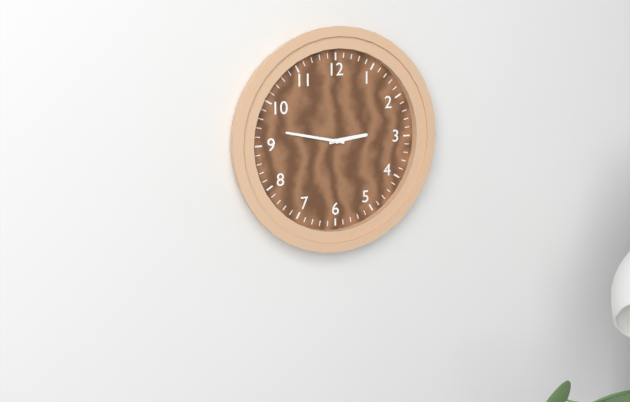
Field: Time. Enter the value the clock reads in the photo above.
2:47
